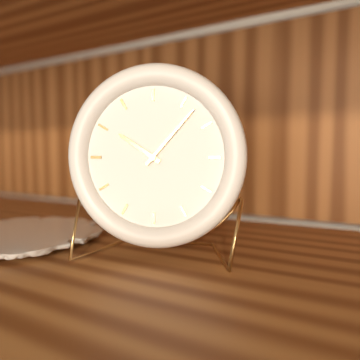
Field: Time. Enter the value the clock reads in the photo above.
10:07
